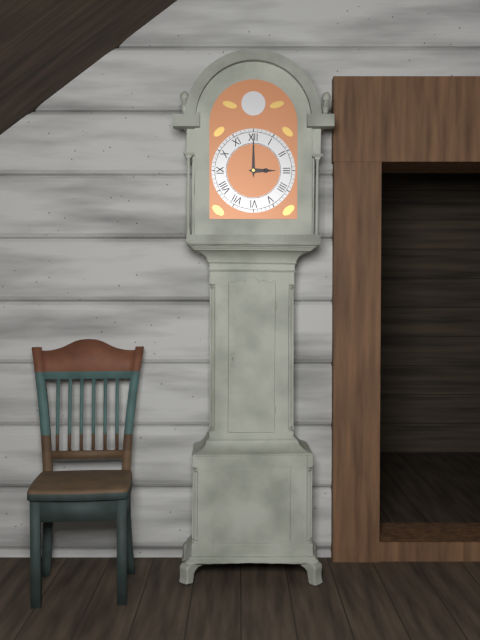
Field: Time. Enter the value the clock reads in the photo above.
3:00
